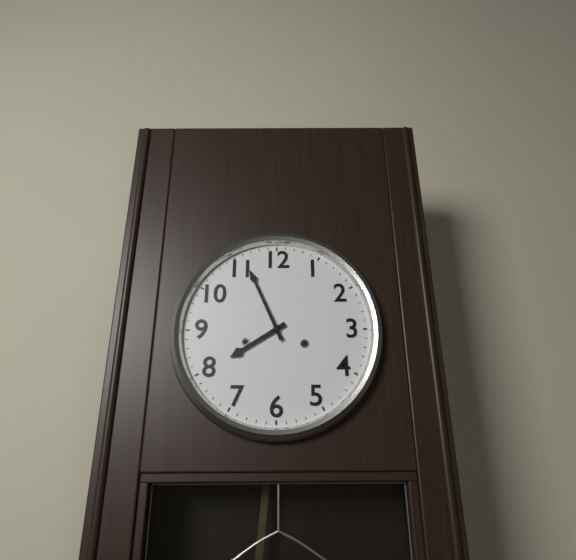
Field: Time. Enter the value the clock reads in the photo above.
7:56
